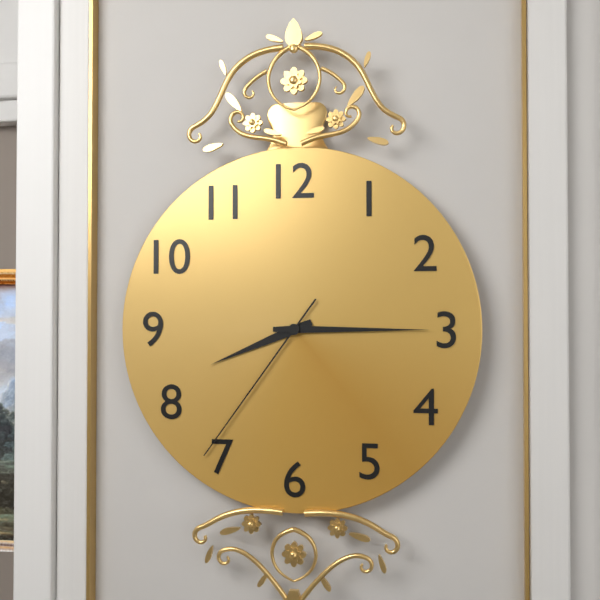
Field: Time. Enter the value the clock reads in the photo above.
8:15:36
